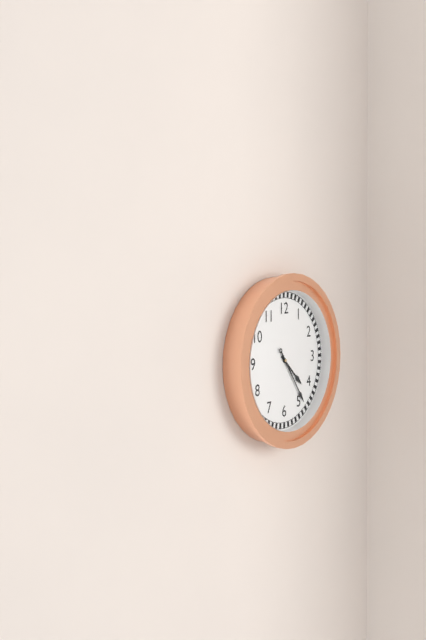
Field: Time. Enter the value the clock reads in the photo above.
4:24
